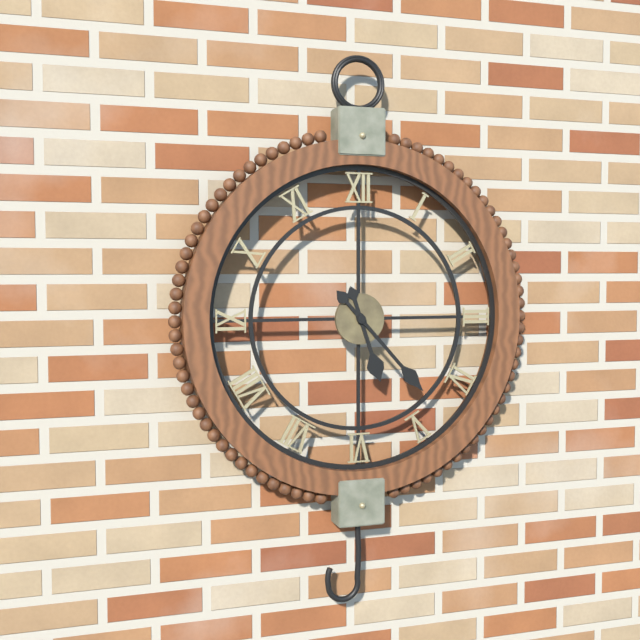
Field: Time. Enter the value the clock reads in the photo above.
5:23
